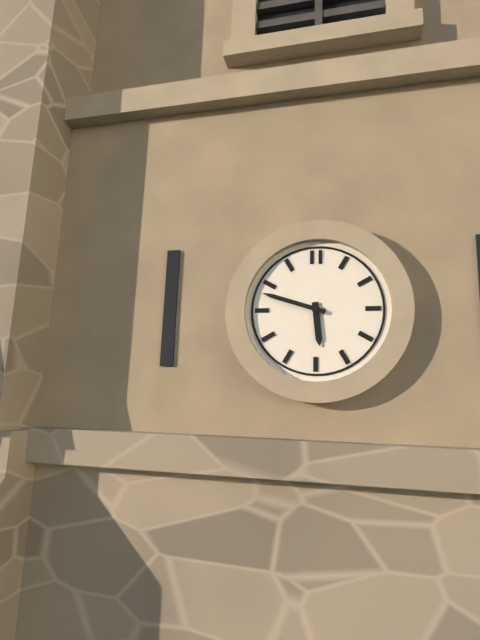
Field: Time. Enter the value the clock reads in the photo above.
5:48
